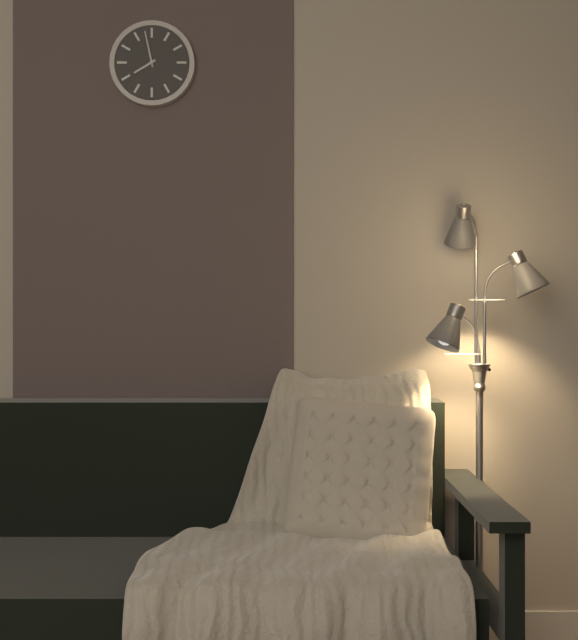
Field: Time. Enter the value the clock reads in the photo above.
7:58
